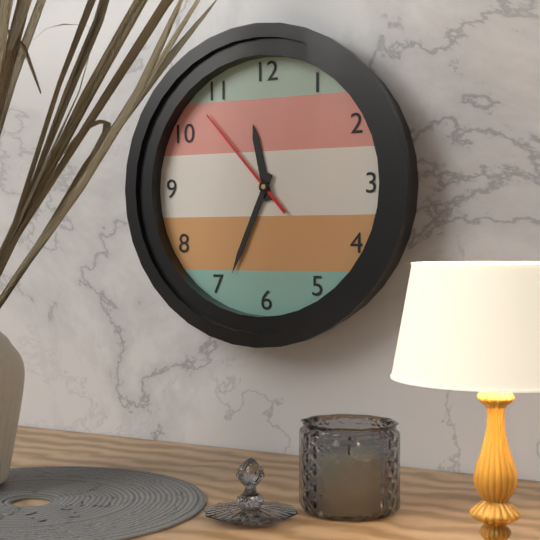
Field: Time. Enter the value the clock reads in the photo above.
11:34:53
